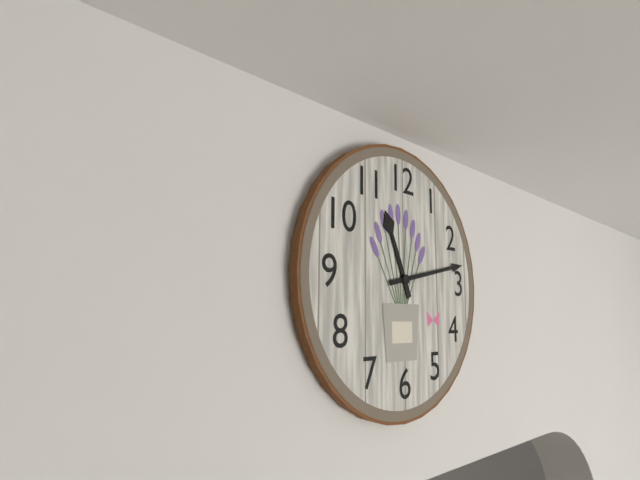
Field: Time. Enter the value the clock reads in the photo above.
11:13
